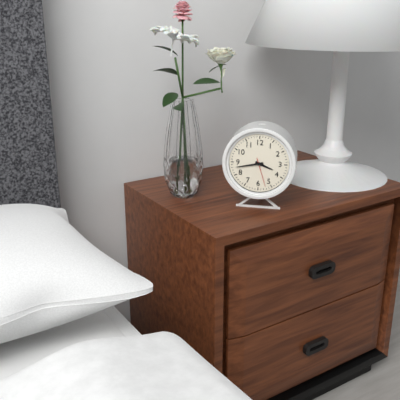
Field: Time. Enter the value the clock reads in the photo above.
3:43
